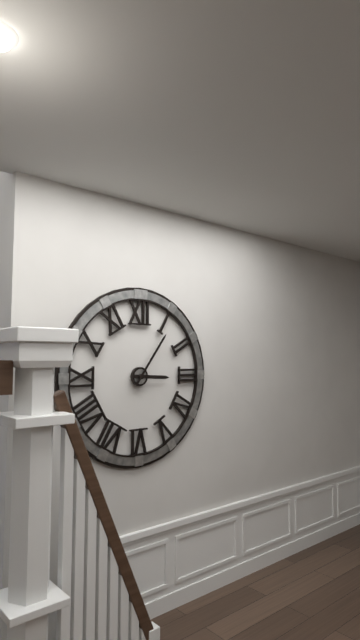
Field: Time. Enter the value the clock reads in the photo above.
3:06
